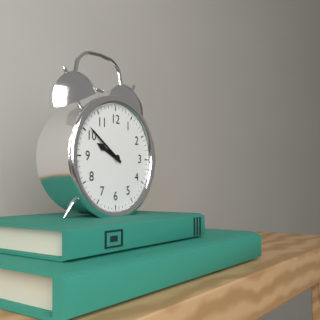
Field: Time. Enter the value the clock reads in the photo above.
9:51
